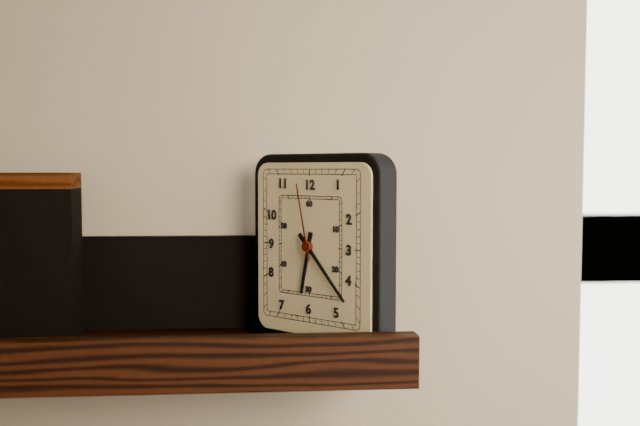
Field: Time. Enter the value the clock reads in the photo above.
6:23:58
